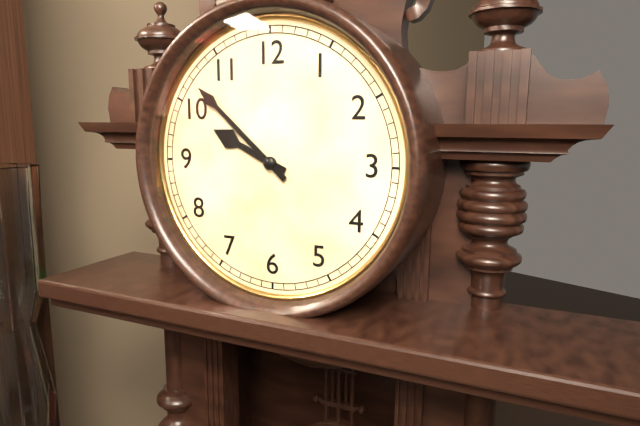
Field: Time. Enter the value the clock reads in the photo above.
9:52
